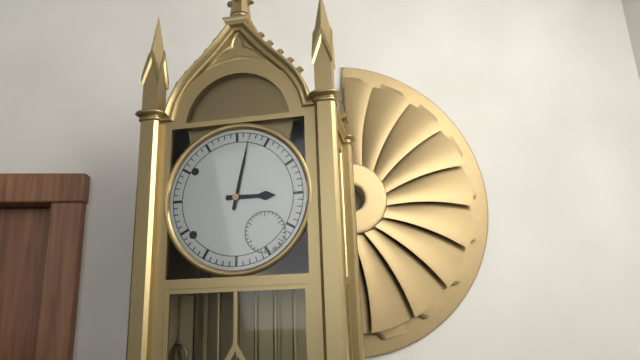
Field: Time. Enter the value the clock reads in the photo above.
3:02
